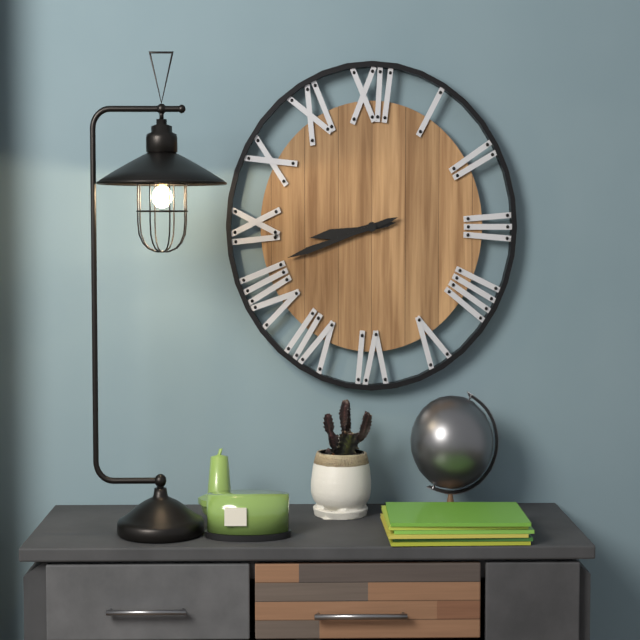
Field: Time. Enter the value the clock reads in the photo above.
8:42
